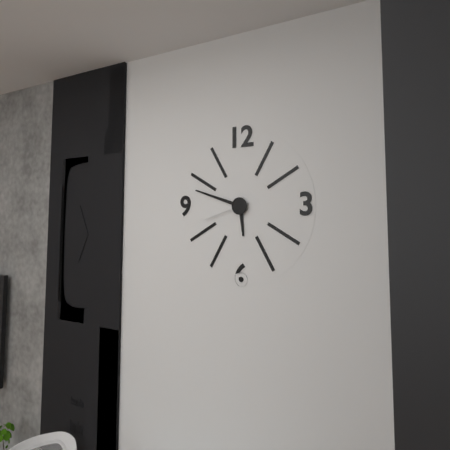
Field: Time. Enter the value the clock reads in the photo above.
5:48
